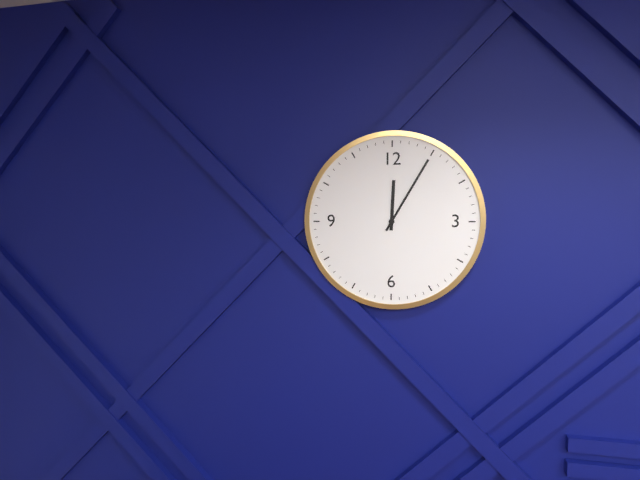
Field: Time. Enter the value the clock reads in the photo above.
12:05
